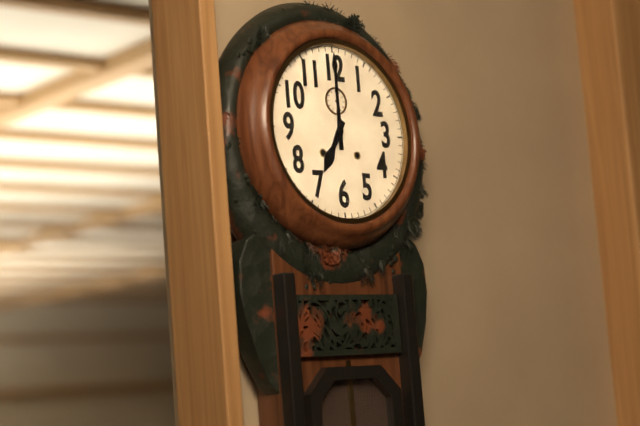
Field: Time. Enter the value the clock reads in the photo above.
7:00
